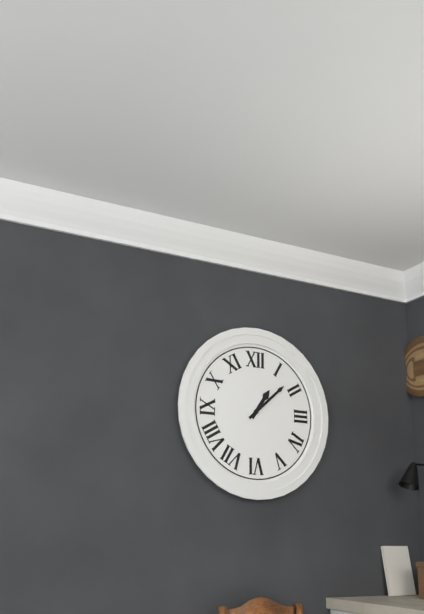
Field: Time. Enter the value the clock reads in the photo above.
1:08
